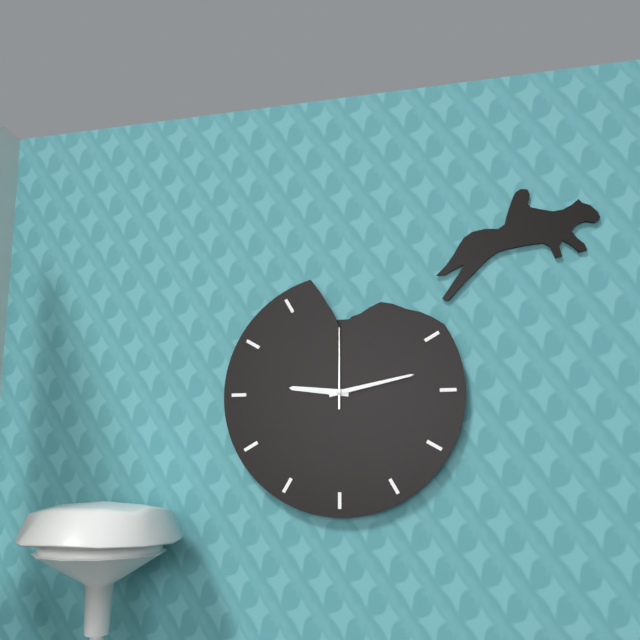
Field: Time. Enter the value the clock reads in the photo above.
9:13:00
